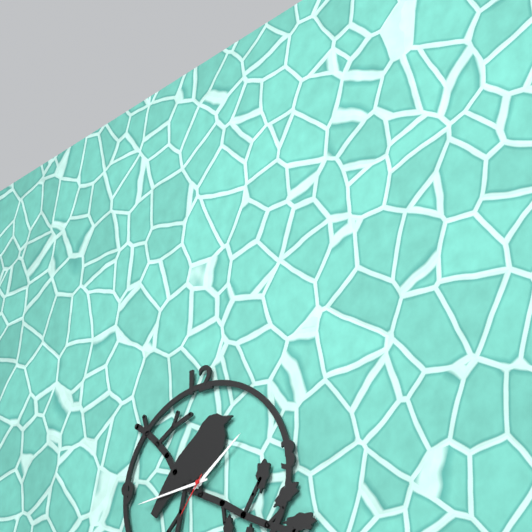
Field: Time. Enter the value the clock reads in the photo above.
1:44
